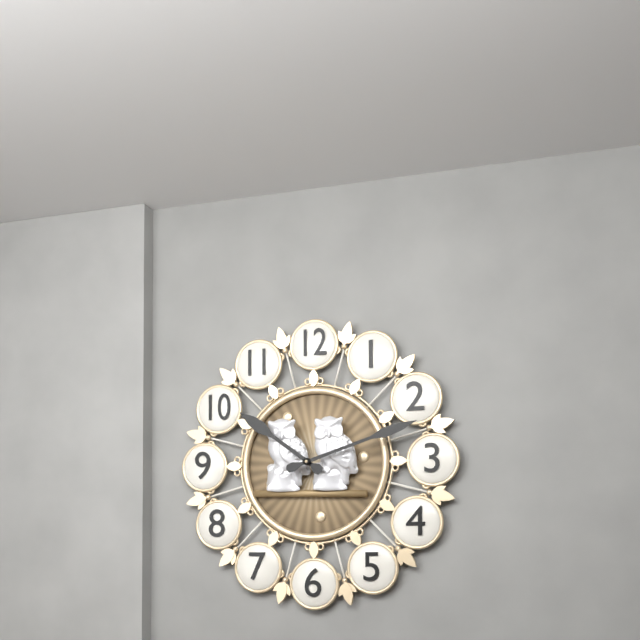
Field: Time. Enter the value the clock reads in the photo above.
10:12
